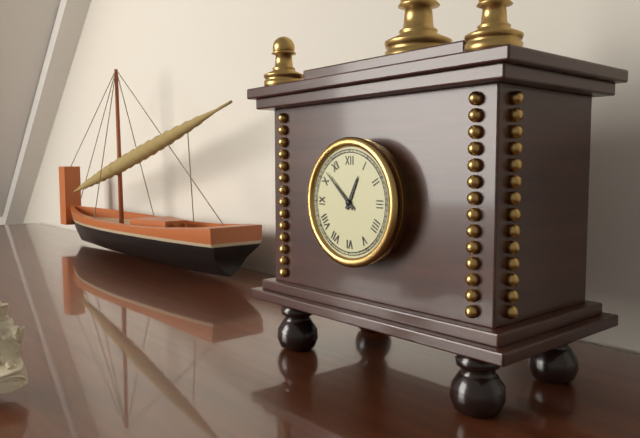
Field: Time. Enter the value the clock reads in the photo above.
12:52
